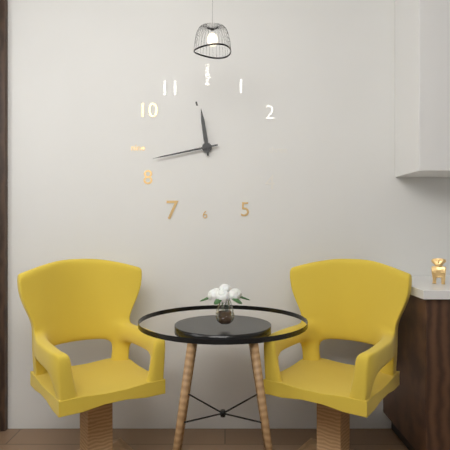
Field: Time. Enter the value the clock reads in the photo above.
11:43
